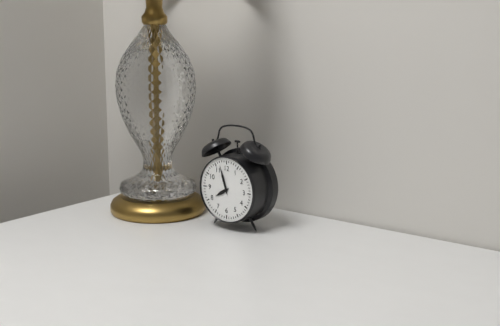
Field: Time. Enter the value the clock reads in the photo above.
7:57
